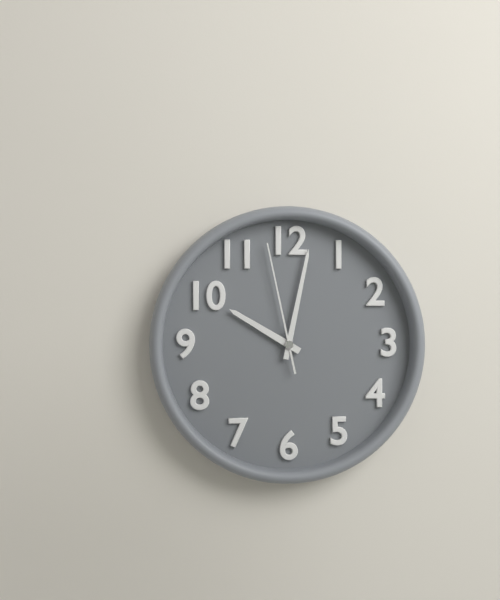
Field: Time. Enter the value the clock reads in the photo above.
10:02:58
